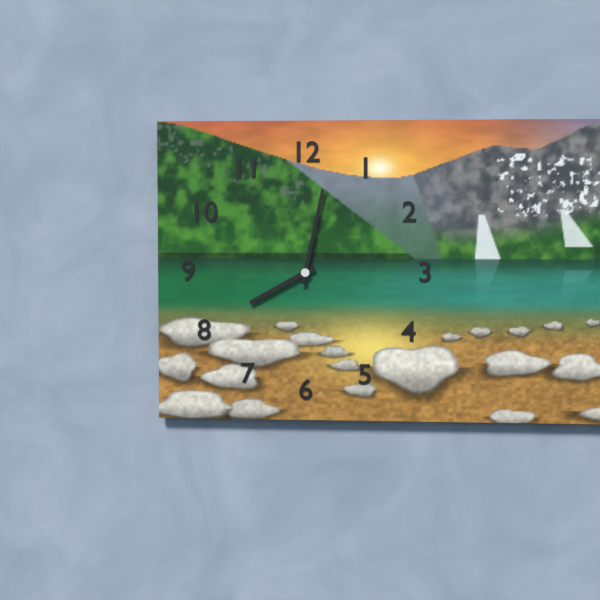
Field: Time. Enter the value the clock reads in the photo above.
8:02
